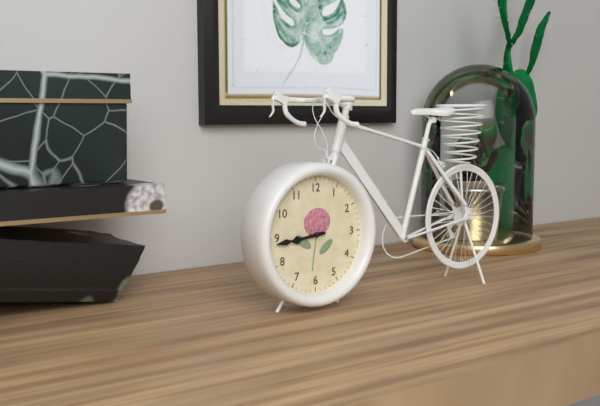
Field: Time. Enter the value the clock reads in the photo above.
8:44
